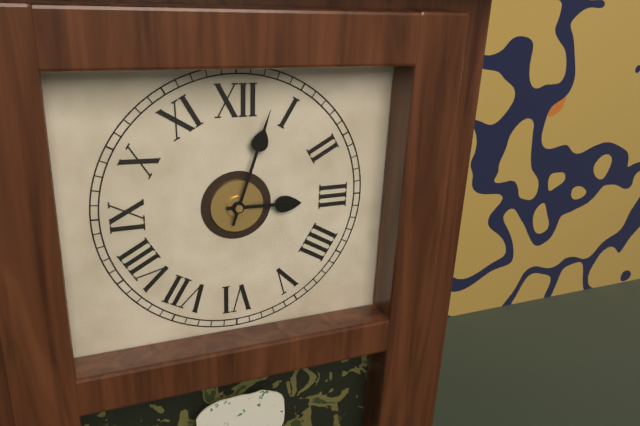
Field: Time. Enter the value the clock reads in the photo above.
3:03
